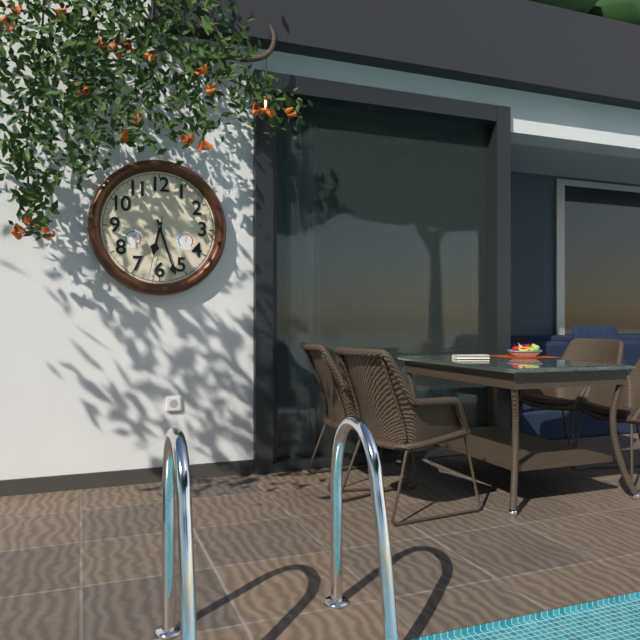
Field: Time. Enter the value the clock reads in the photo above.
6:27:32
